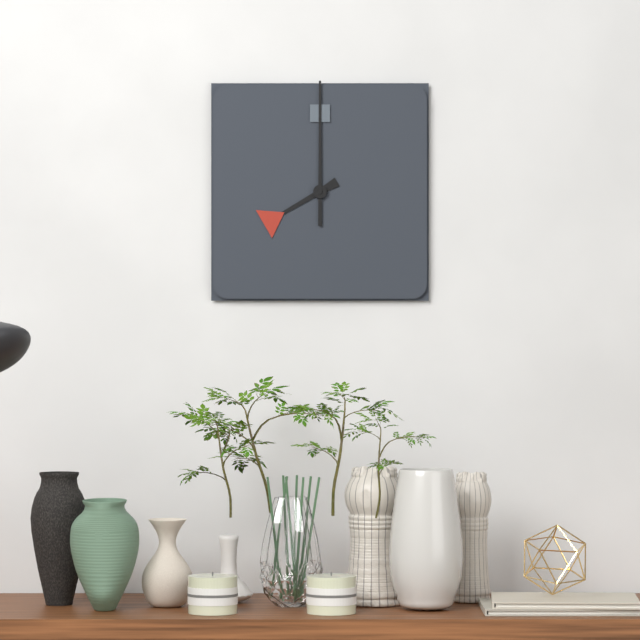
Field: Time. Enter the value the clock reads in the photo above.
8:00
